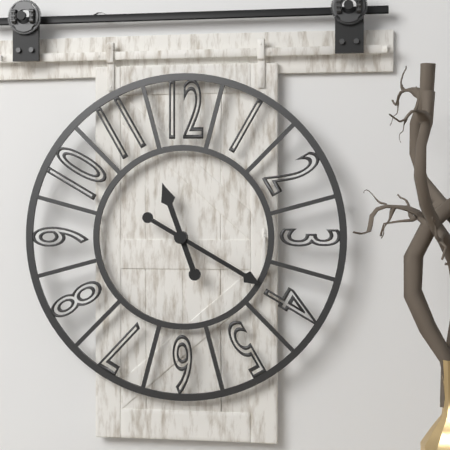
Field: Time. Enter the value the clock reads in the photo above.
11:20
